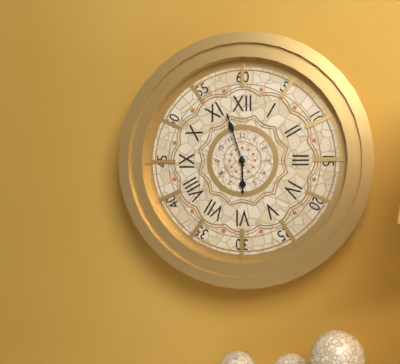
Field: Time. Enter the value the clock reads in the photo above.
5:57
